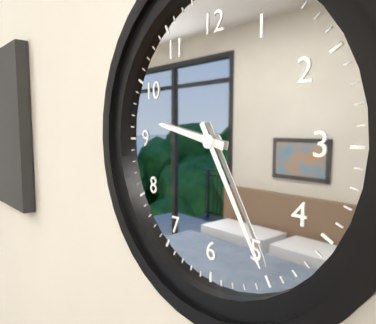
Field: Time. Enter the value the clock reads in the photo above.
9:25
